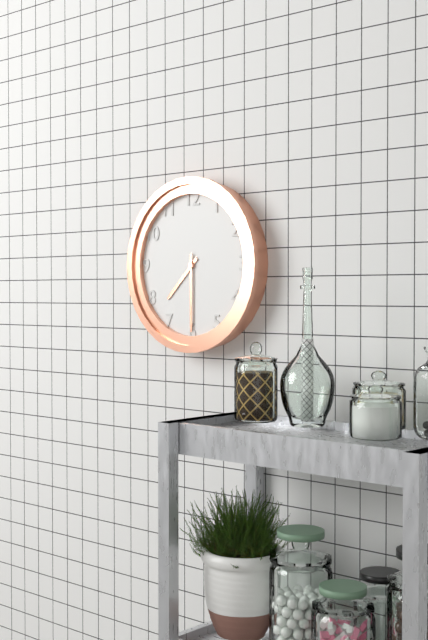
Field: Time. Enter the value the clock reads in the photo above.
7:30
